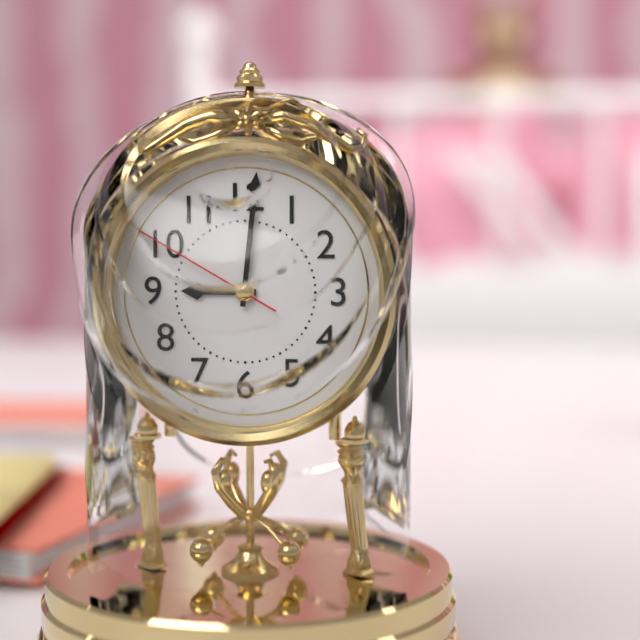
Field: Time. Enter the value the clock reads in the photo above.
9:01:50
